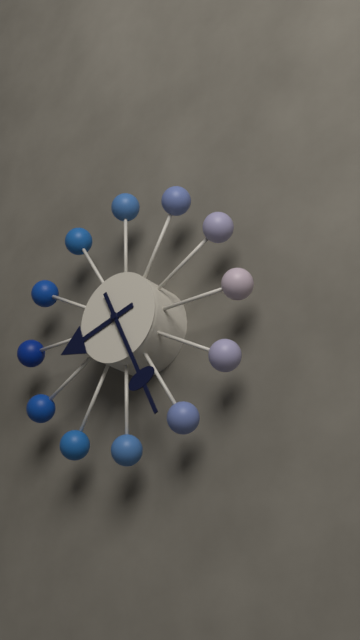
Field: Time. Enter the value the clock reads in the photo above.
8:26
